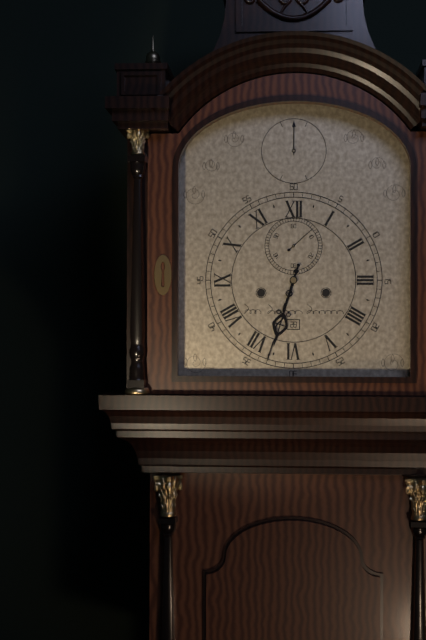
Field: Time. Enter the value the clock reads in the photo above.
6:33
